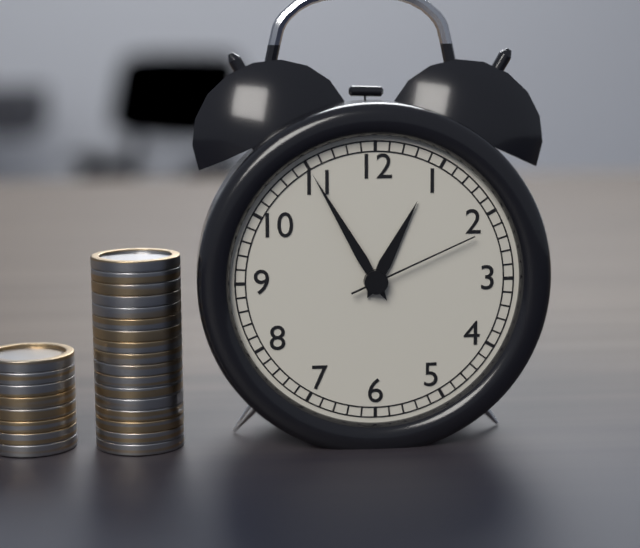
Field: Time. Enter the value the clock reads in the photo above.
12:55:11
